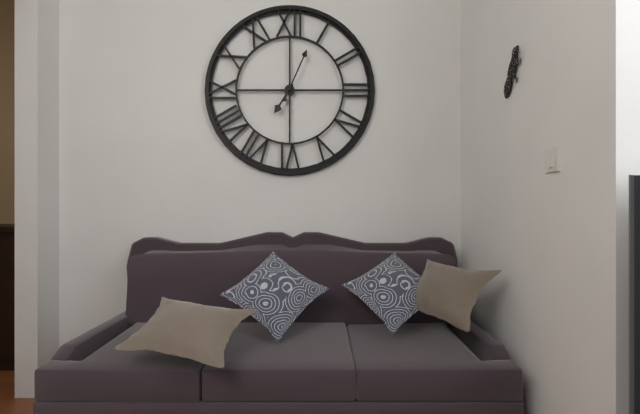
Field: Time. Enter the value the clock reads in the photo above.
7:04
